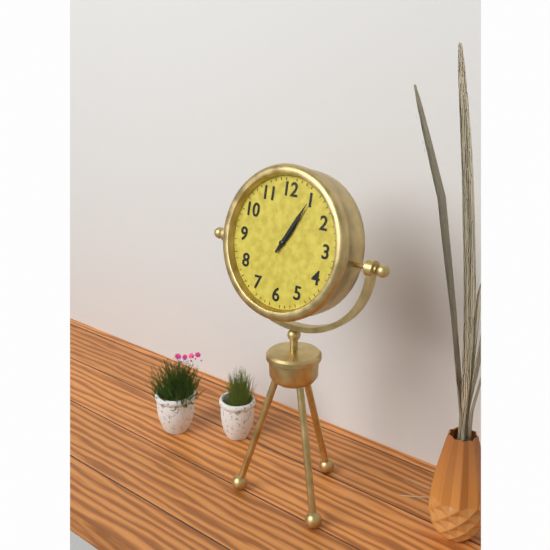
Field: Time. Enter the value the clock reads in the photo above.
1:05
